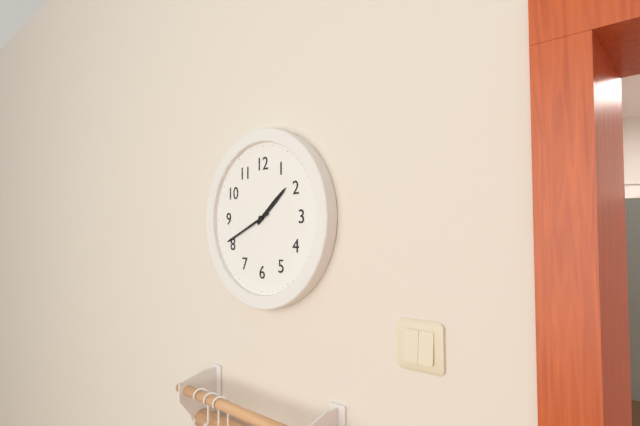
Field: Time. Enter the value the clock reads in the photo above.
1:41
